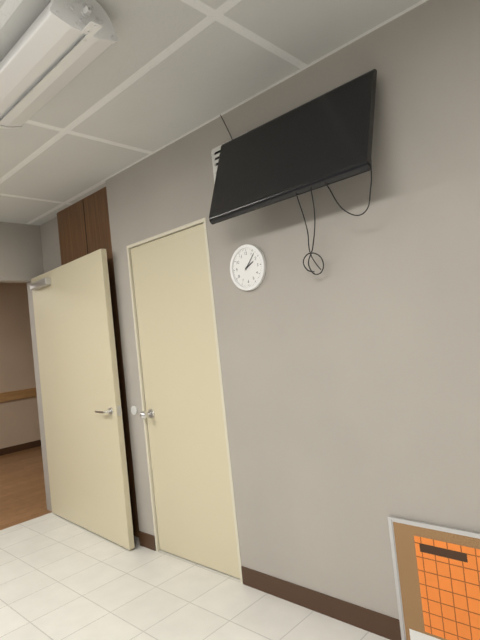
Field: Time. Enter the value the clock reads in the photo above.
2:07
